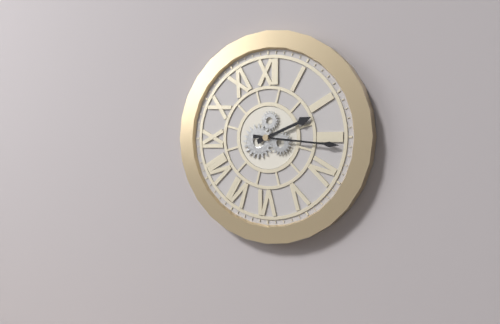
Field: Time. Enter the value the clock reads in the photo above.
2:16
